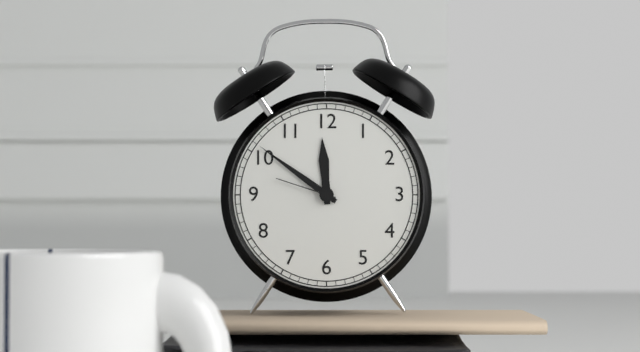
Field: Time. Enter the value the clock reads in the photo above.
11:51:48
